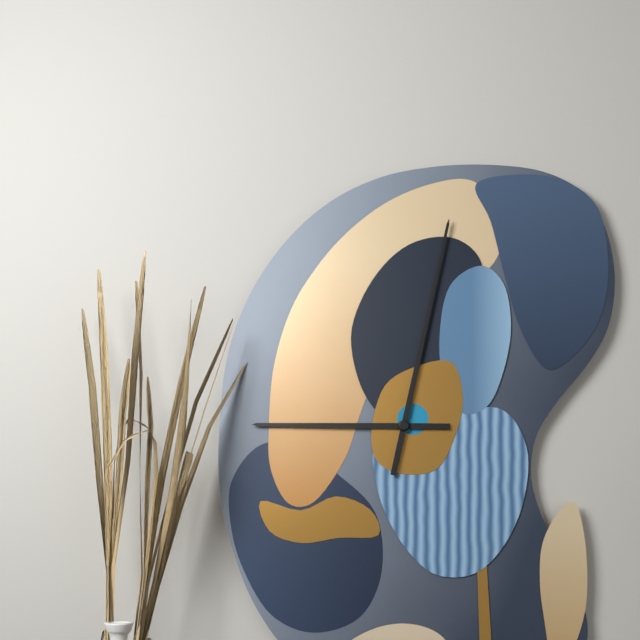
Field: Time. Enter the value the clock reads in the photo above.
9:02
